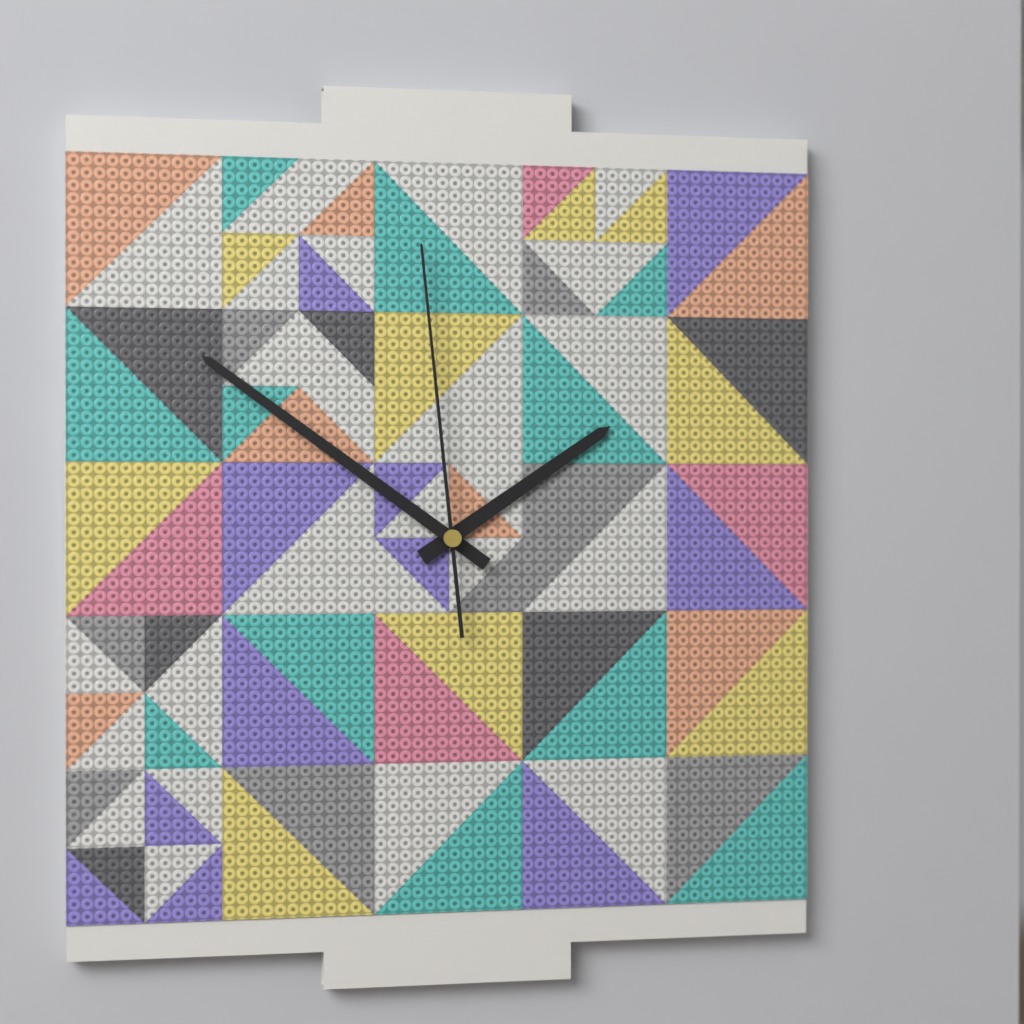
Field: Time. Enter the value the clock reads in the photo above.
1:51:59
